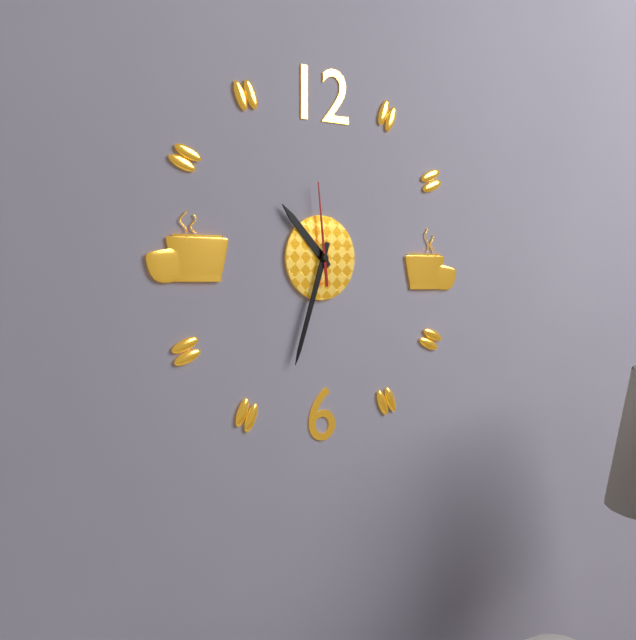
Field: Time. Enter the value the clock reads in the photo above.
10:33:59
